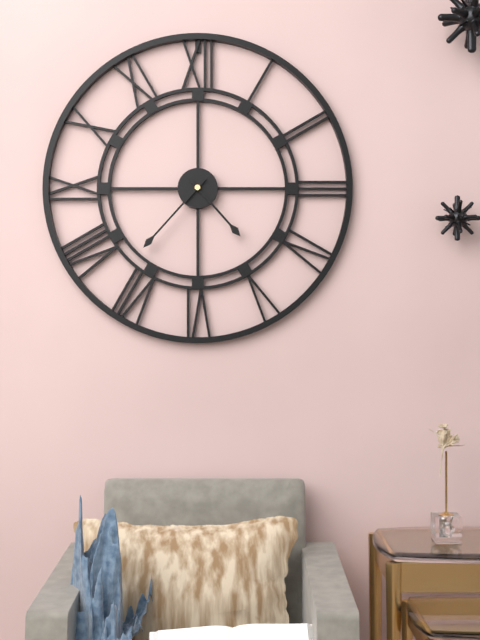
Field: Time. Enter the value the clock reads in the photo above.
4:37
